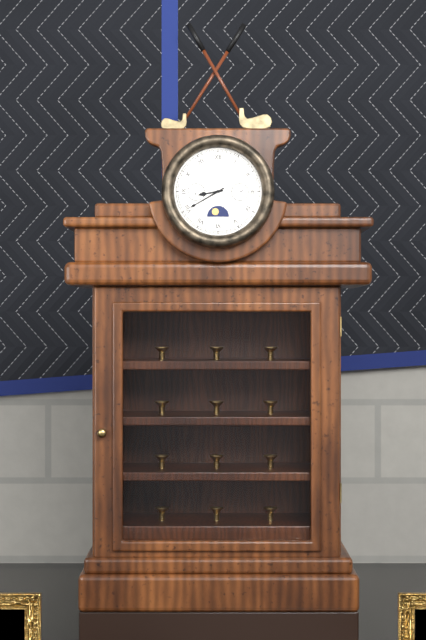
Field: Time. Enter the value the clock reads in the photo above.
8:40
